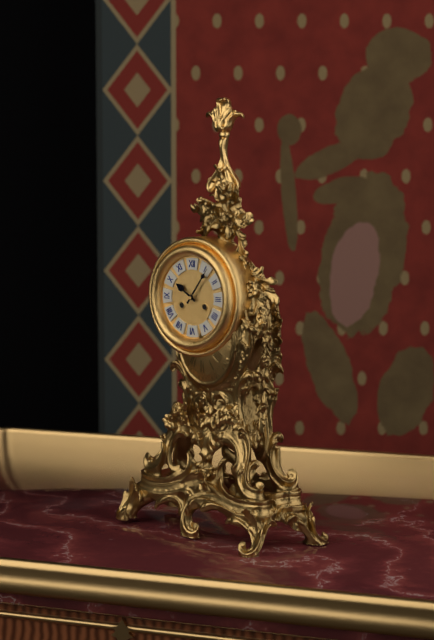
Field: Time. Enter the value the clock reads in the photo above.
10:06
